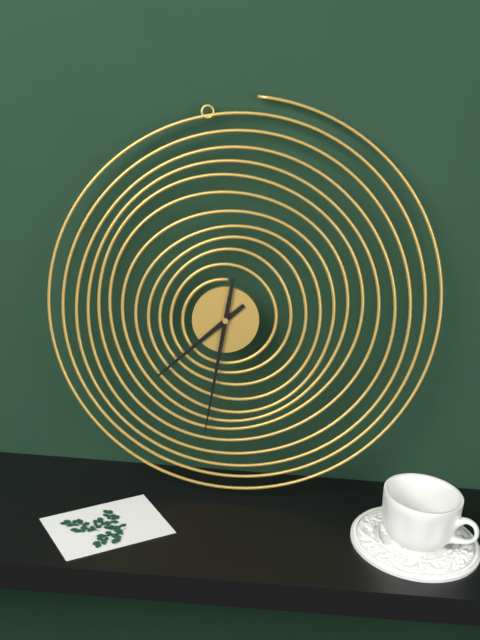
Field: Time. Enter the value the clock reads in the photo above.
7:31
